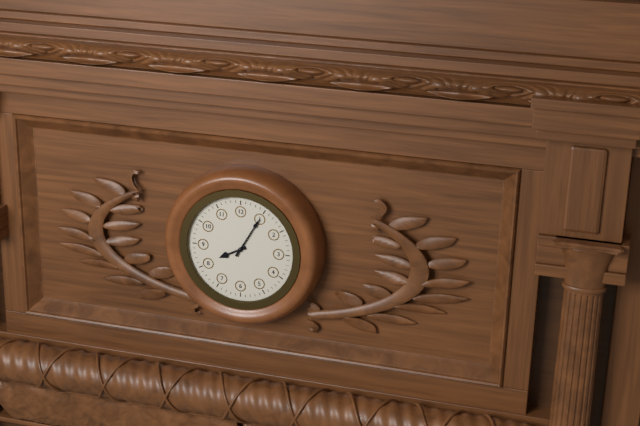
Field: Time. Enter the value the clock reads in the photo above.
8:05
